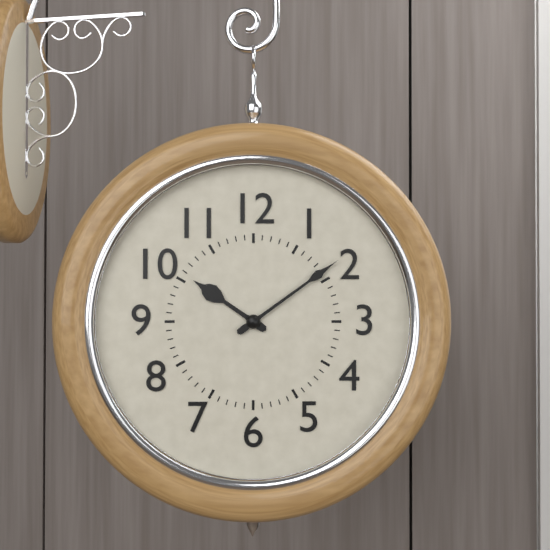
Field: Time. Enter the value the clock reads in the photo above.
10:09
